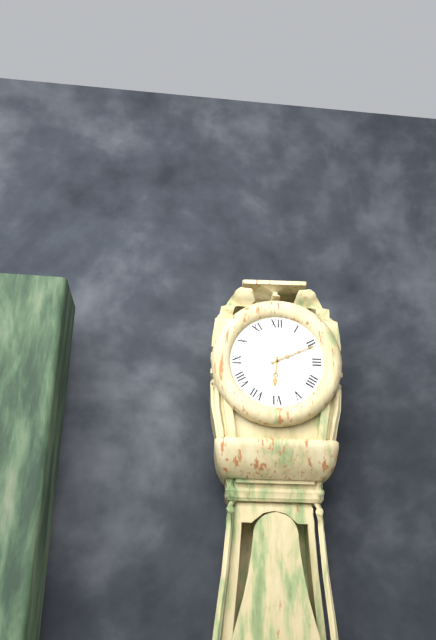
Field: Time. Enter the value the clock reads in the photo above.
6:11
